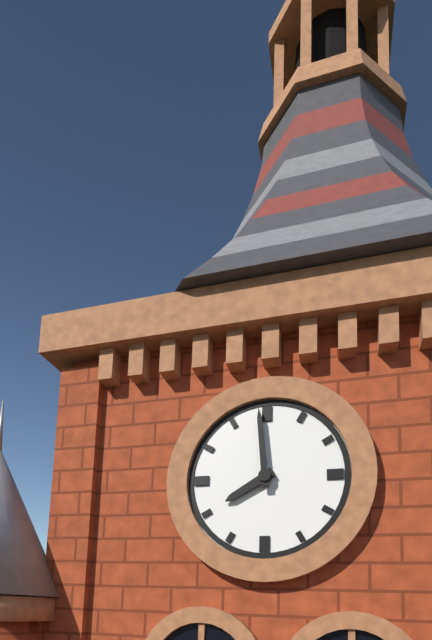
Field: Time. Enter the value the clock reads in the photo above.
7:59
